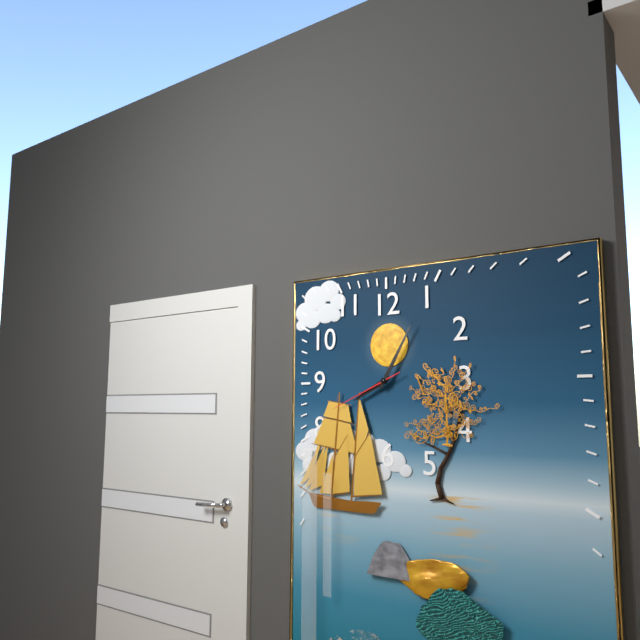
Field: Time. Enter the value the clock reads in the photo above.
8:05:41
